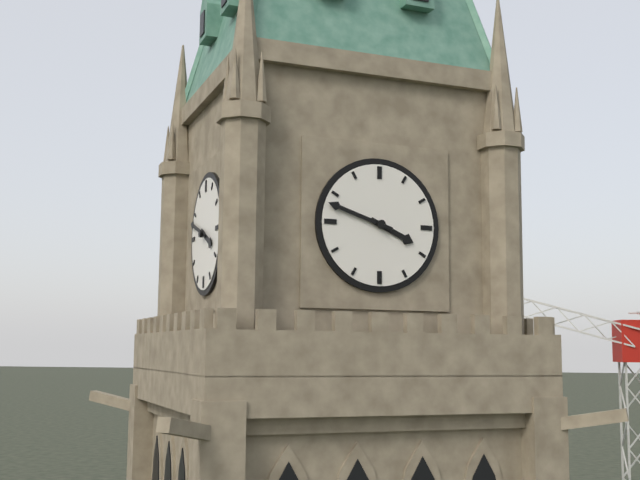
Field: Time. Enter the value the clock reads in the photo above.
3:48
